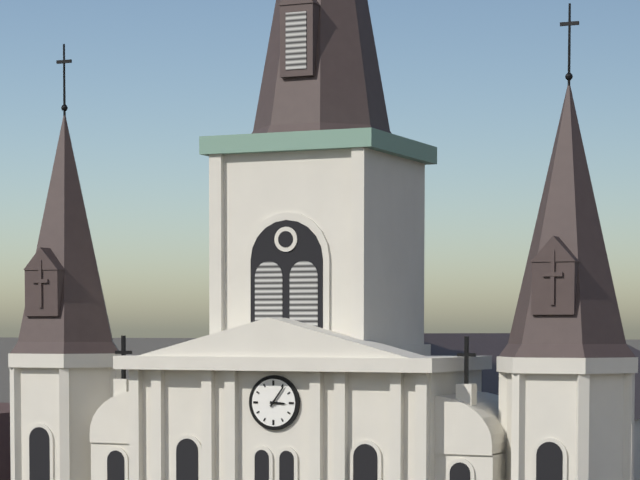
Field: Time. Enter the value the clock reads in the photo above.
3:06
